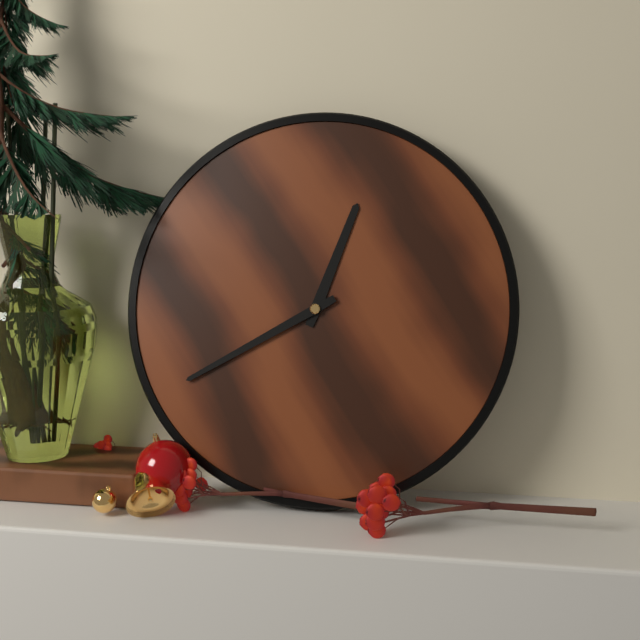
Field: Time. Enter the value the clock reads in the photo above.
12:40
